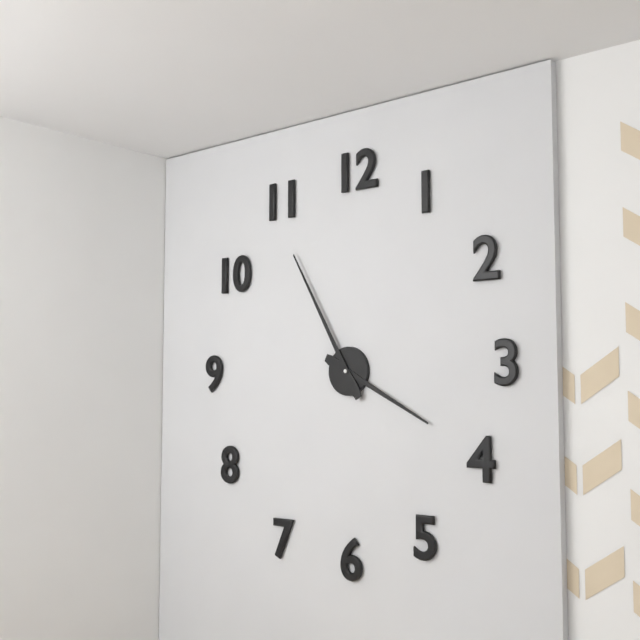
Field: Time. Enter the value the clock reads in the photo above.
3:55
